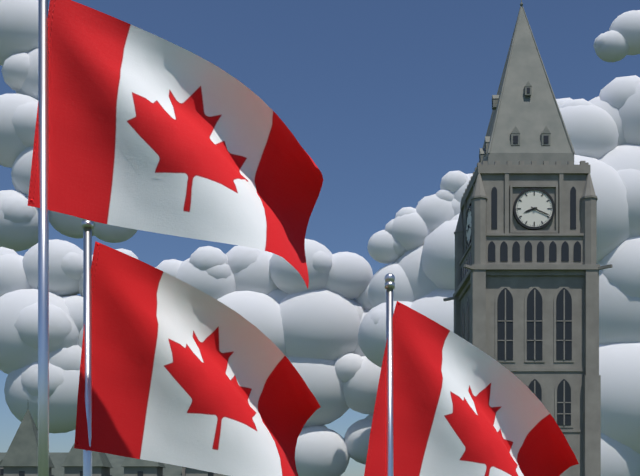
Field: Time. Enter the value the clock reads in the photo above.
8:19
